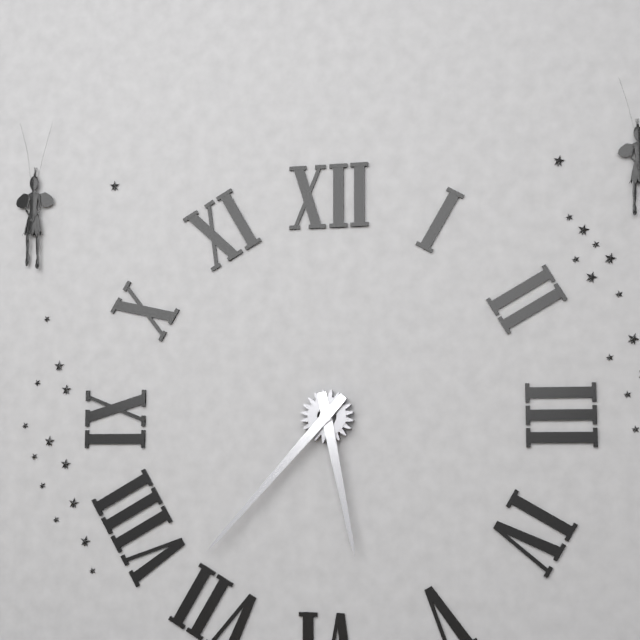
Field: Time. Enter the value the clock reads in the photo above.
5:37
